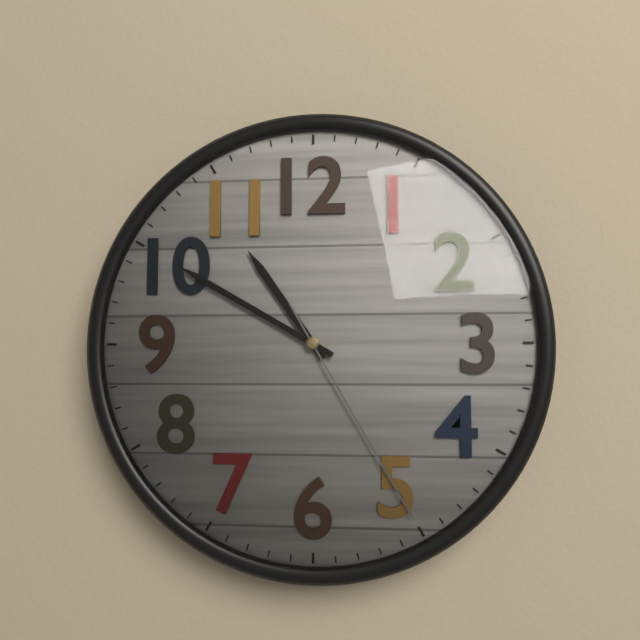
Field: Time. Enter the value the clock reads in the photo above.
10:50:25
